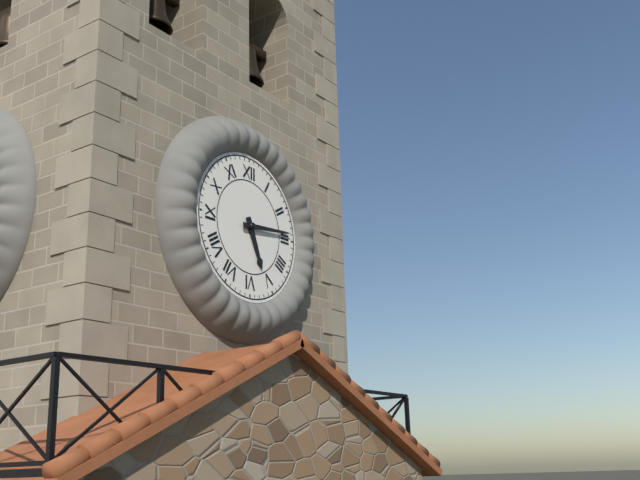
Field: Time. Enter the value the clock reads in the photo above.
5:14
